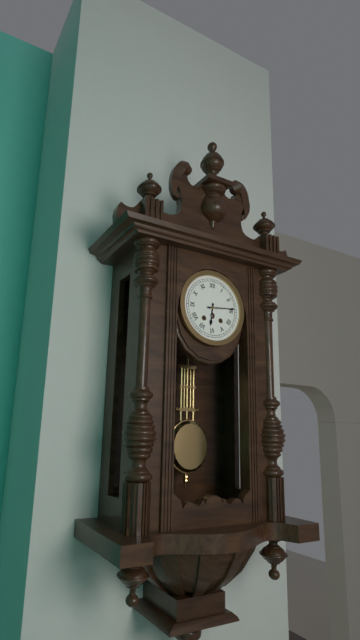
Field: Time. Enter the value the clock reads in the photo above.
6:14
